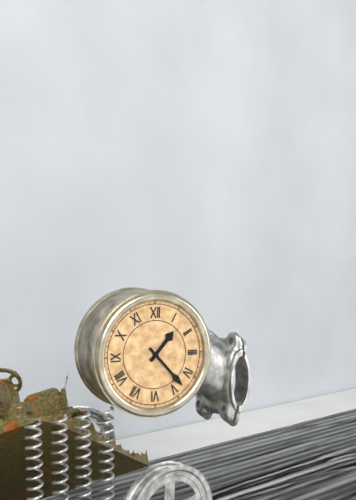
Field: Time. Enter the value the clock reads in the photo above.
1:23
